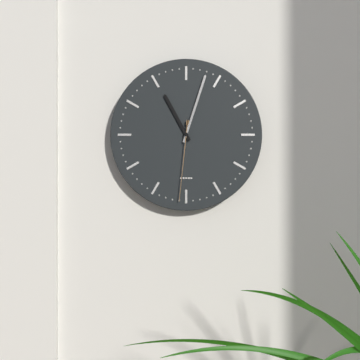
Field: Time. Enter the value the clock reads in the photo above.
11:03:31
